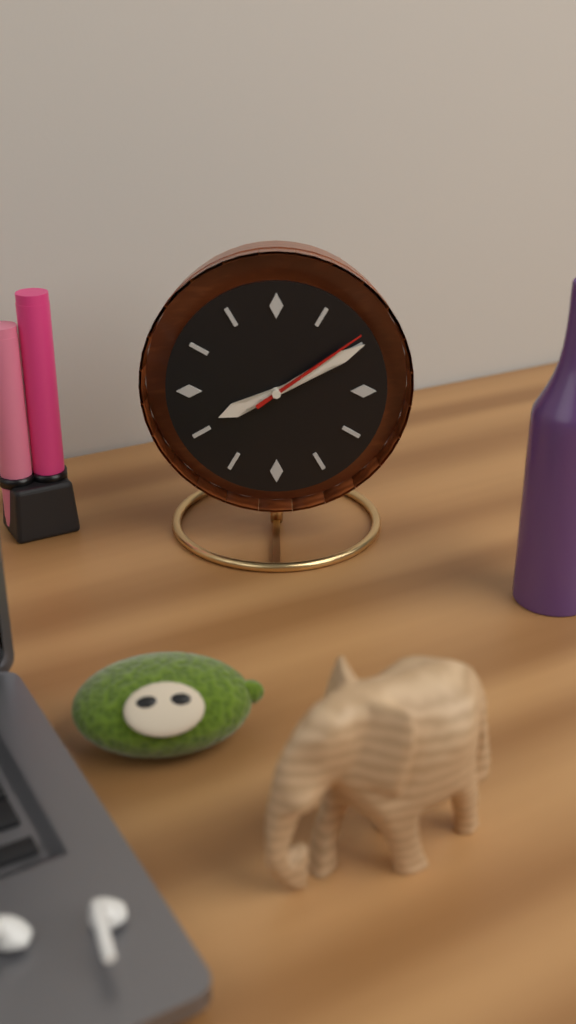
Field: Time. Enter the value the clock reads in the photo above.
8:10:09
